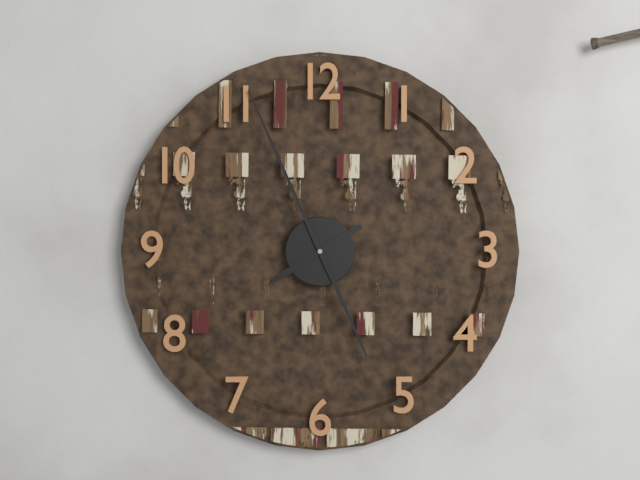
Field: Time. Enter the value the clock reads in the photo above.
7:56
